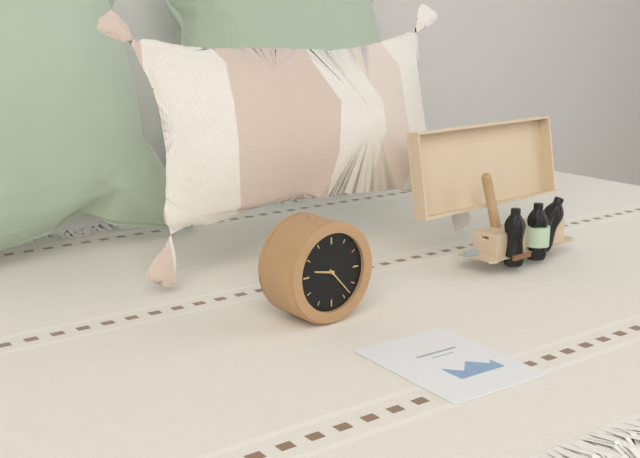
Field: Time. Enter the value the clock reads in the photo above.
9:23
